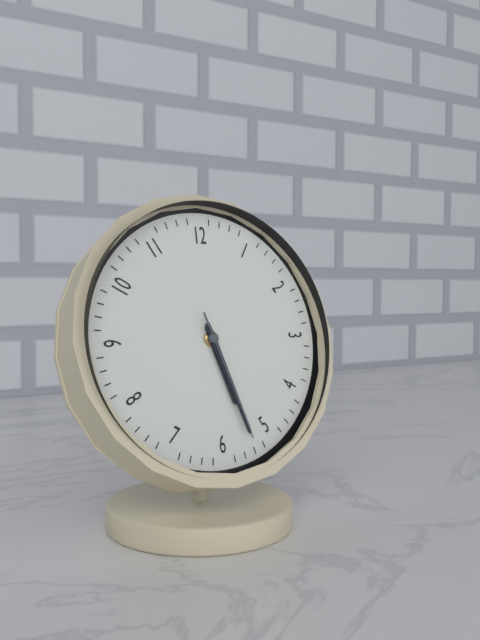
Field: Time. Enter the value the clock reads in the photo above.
5:27:27
